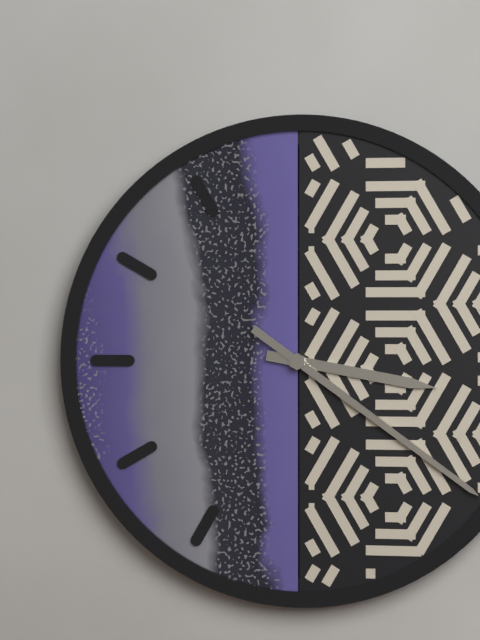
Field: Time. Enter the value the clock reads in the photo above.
3:21
